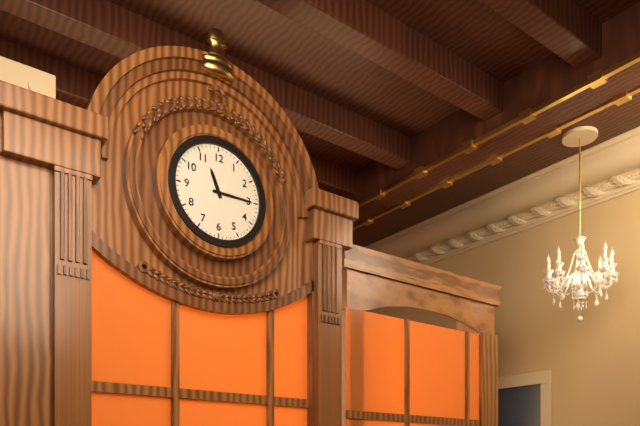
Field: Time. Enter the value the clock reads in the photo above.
11:15
